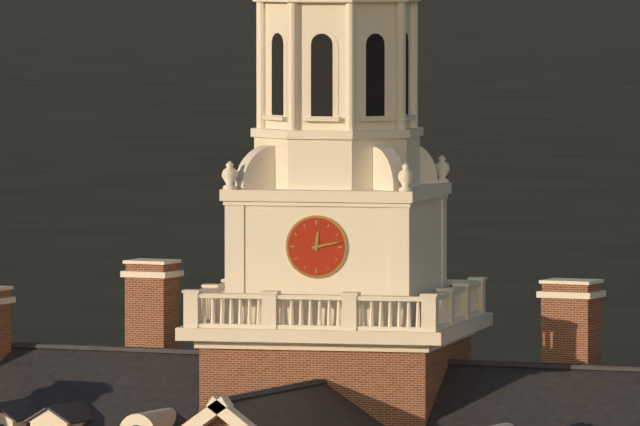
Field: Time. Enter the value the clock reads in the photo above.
12:13
